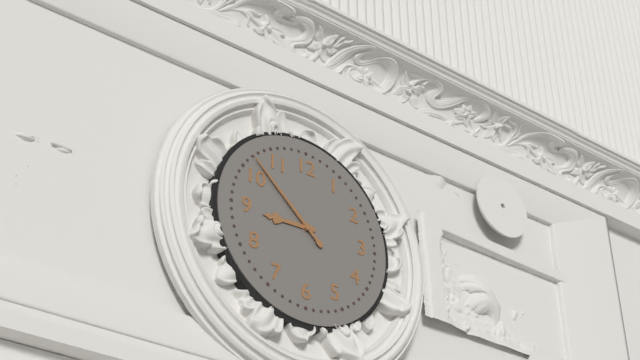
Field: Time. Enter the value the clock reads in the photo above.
8:52
